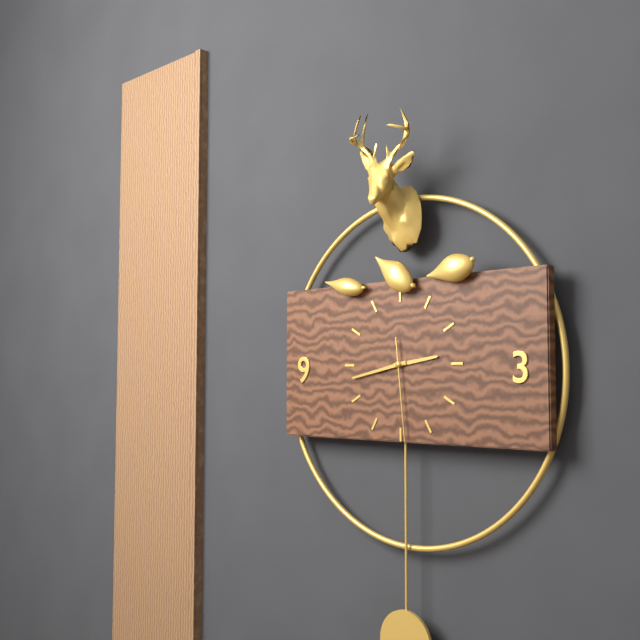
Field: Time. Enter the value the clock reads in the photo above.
2:43:29
